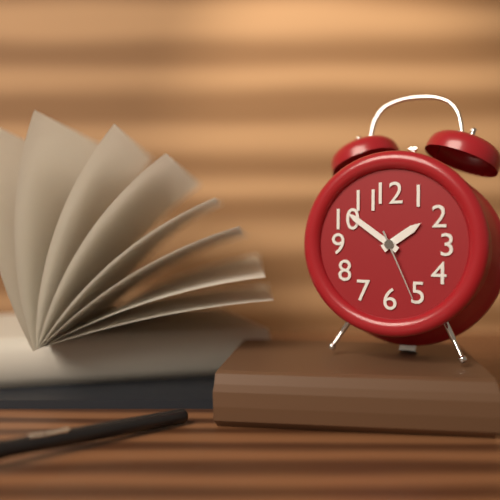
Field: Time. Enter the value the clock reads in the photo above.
1:51:26
